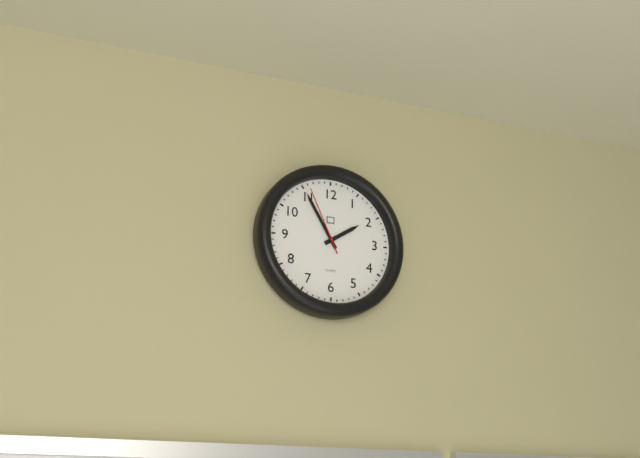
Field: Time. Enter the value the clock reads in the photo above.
1:55:56
